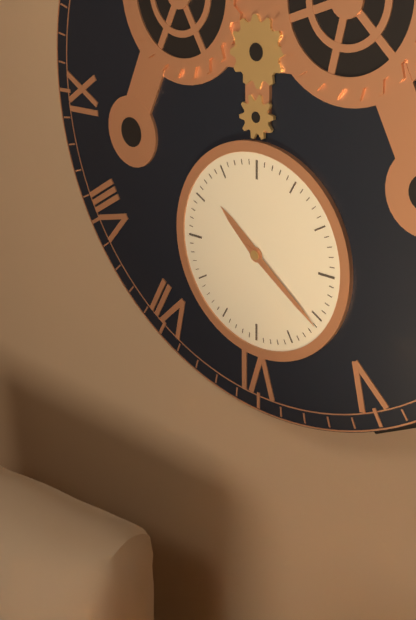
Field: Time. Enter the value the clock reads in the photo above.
10:21
